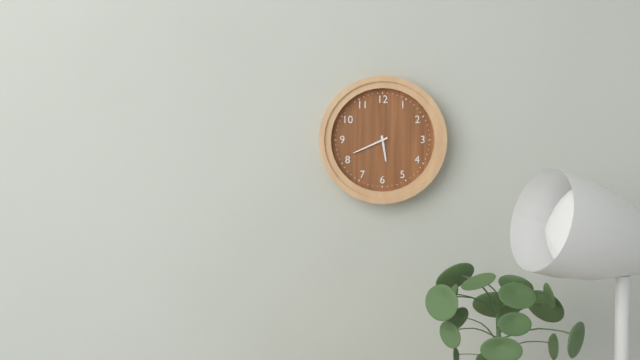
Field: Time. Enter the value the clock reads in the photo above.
5:41
